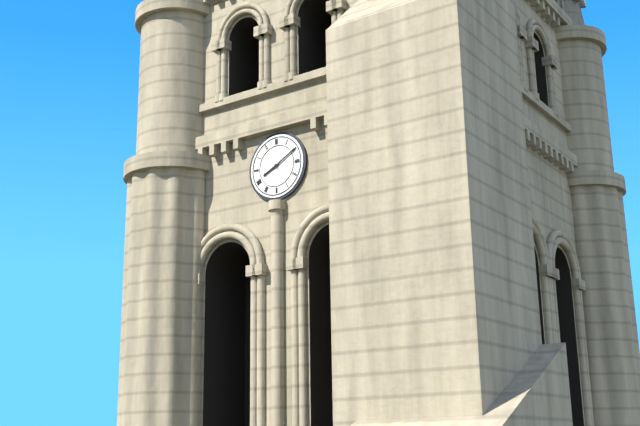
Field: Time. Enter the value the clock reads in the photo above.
8:10
